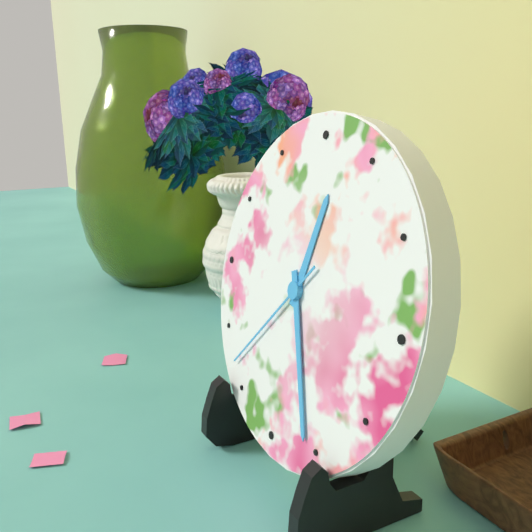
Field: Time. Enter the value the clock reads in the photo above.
12:26:37
